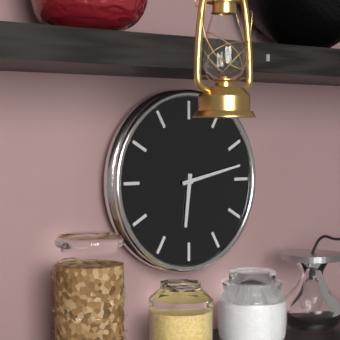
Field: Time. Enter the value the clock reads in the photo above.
6:13
